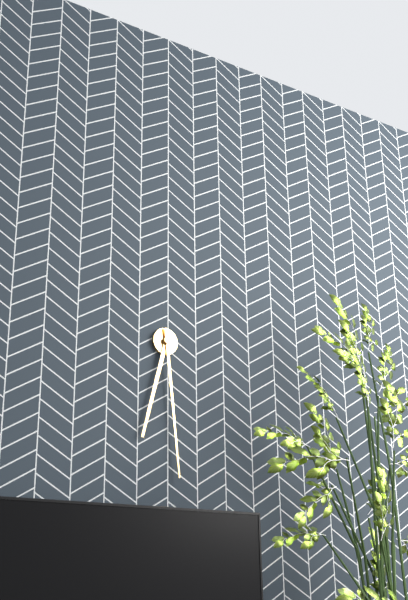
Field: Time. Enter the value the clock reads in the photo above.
6:29
